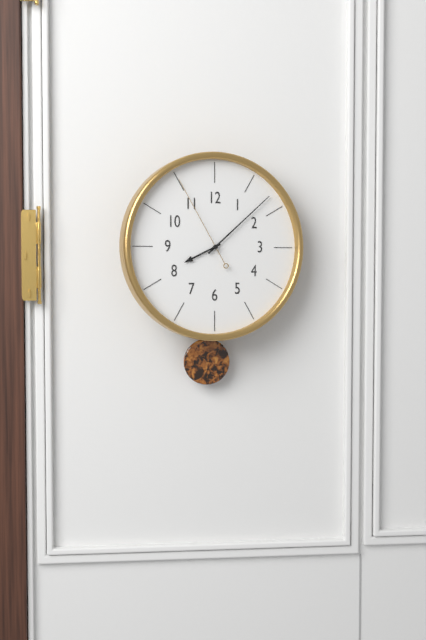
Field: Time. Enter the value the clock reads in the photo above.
8:08:55
